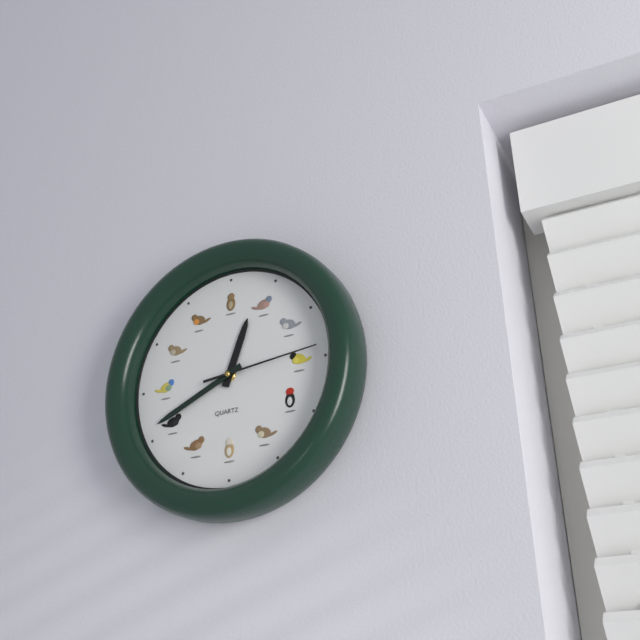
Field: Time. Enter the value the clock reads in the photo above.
12:41:14
